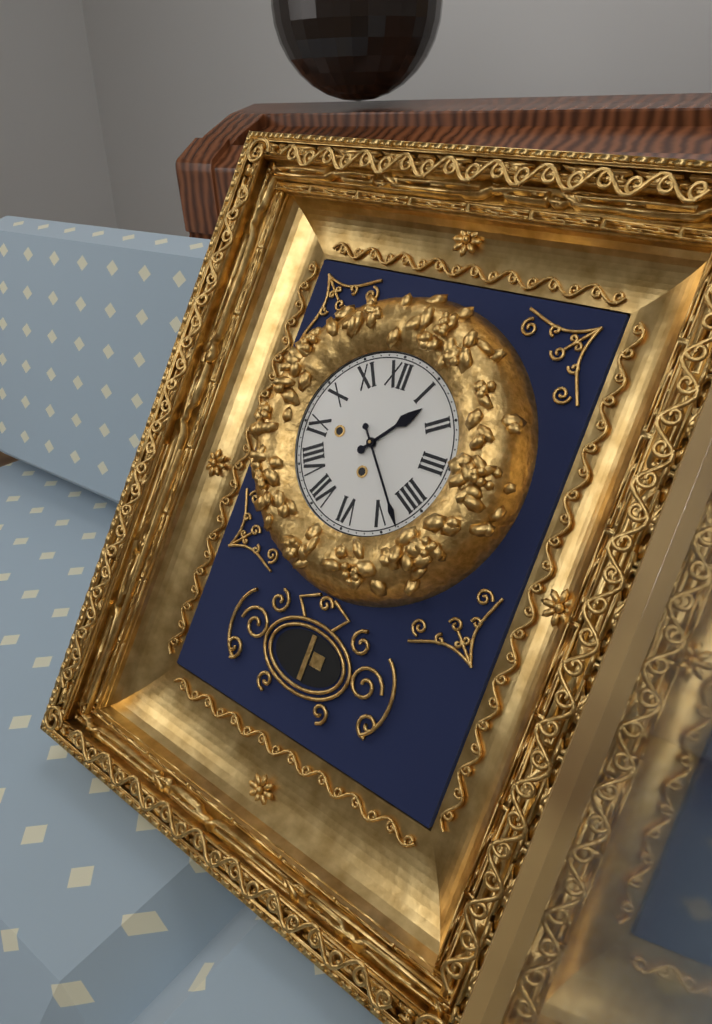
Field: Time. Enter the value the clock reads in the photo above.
1:23
